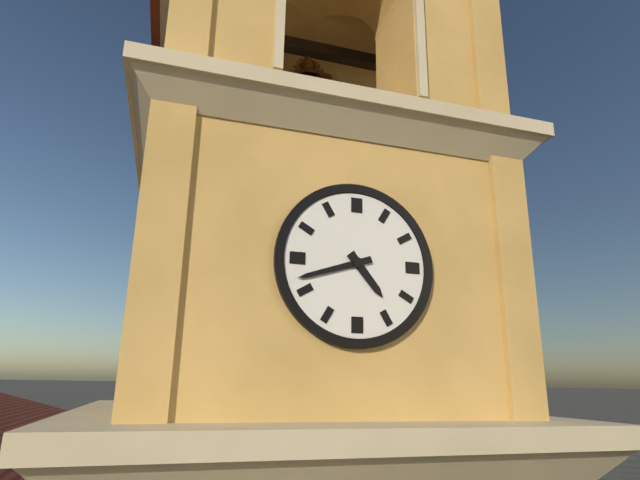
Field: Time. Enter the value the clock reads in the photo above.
4:42
